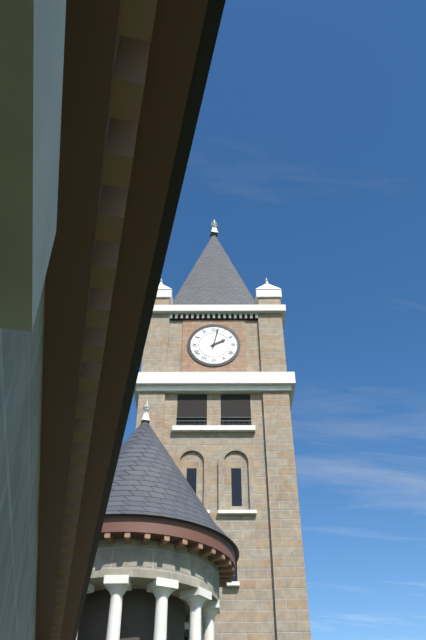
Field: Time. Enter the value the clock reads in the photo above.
2:02
